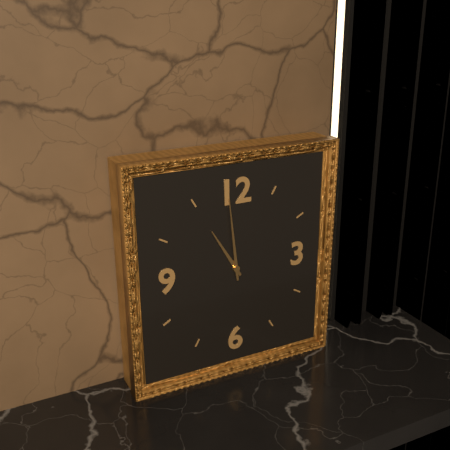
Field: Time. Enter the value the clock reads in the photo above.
10:59
